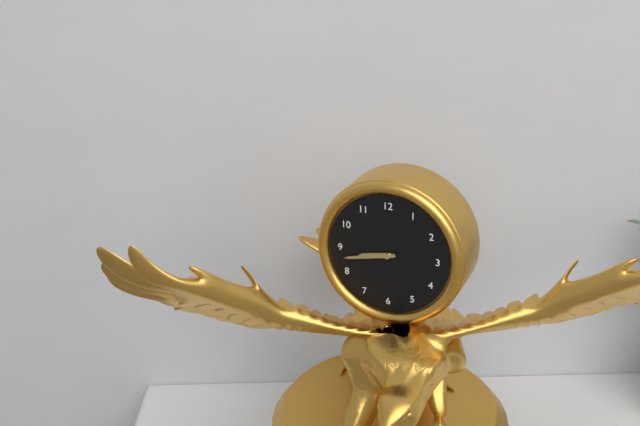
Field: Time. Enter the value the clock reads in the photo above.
8:43
